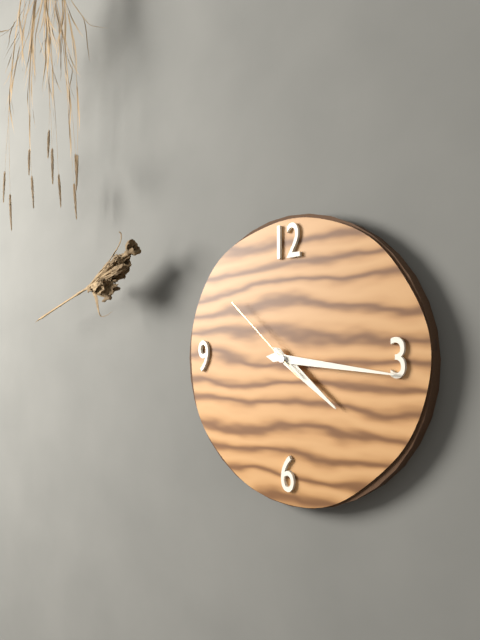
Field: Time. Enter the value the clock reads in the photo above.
4:16:52
